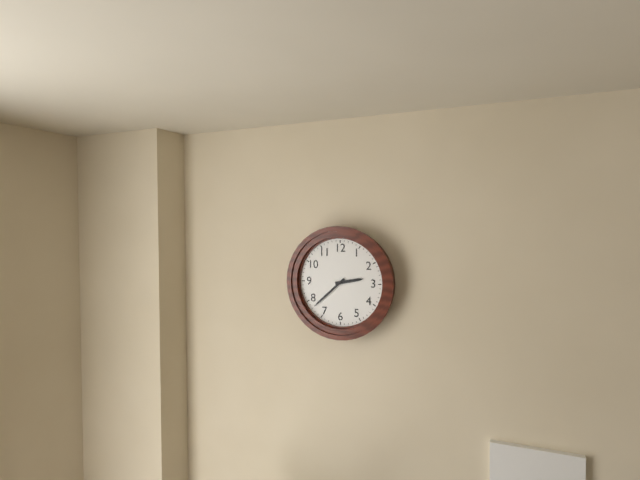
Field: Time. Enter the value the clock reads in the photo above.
2:38
